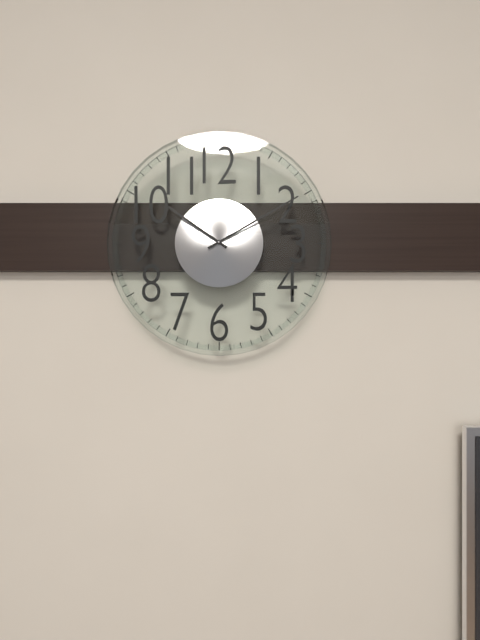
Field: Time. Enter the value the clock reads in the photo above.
10:10
